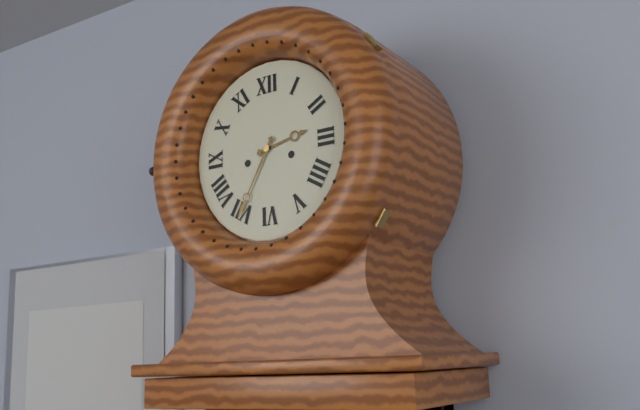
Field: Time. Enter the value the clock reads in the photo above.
2:35
